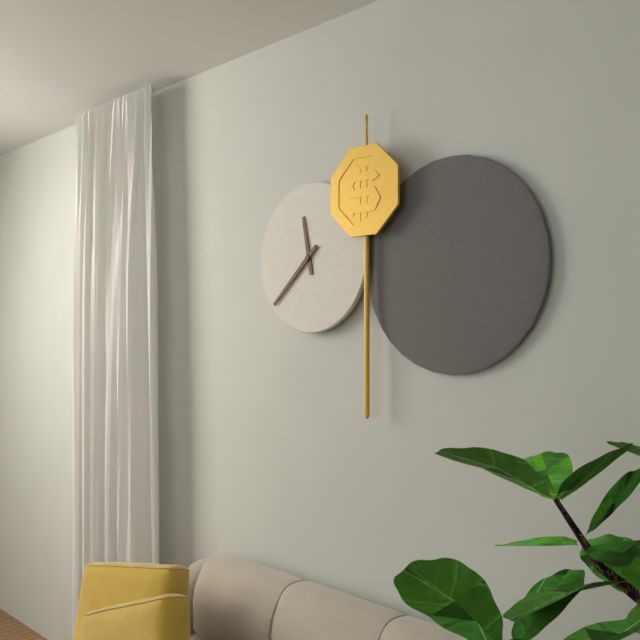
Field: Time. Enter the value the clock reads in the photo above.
11:38
